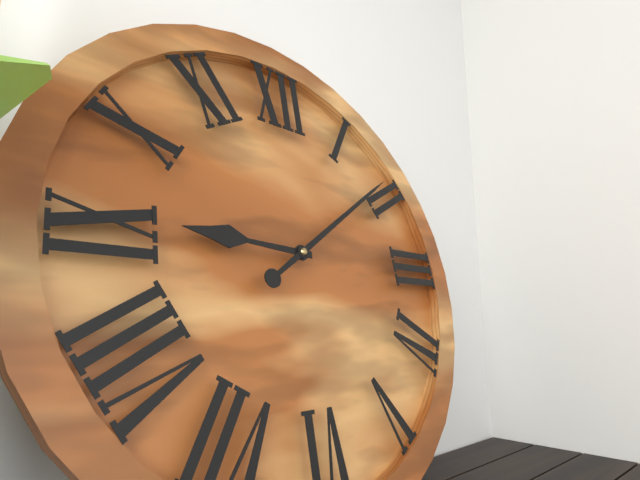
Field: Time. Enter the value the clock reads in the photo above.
9:09
